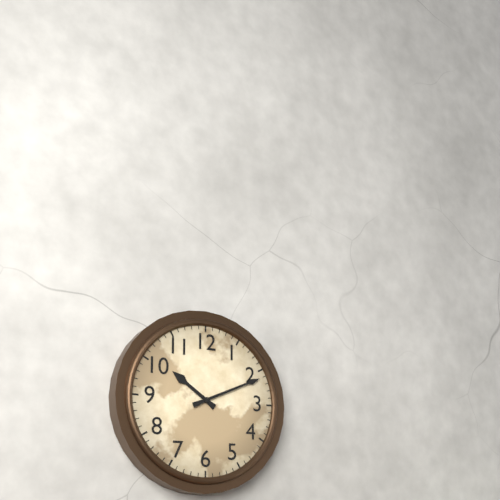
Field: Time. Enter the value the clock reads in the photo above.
10:11
